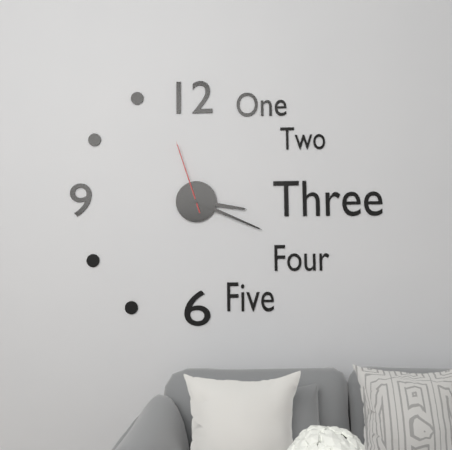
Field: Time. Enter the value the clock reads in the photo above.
3:19:57
